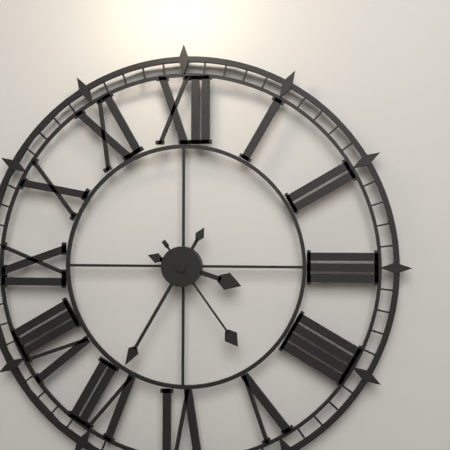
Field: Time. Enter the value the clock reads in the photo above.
3:35:24
